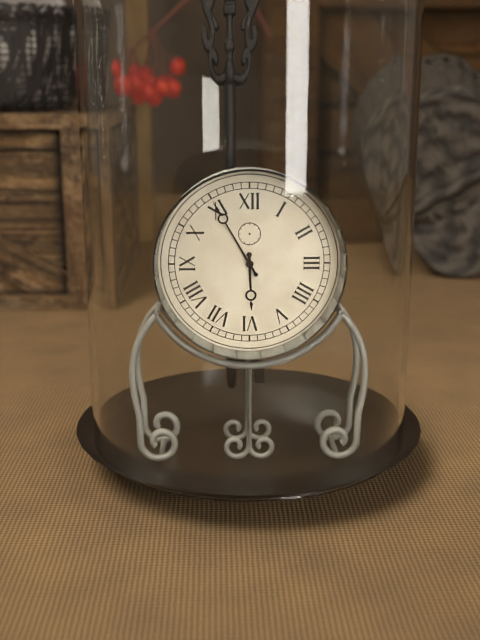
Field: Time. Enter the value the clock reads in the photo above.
5:55
